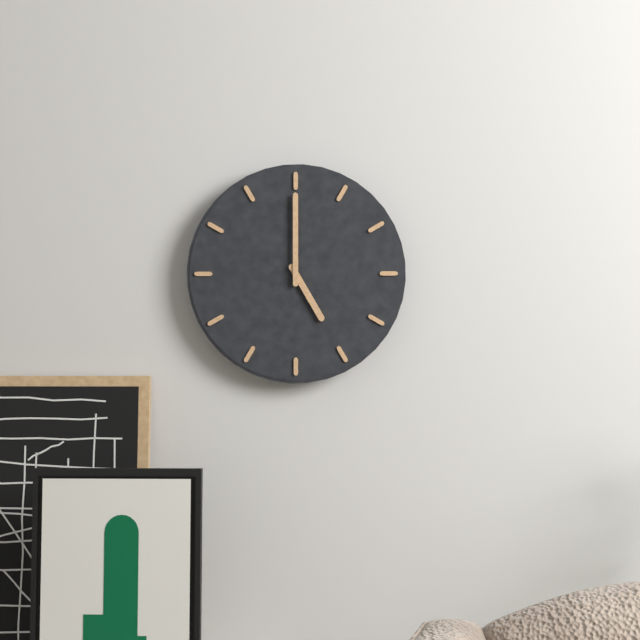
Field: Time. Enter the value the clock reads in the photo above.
5:00
